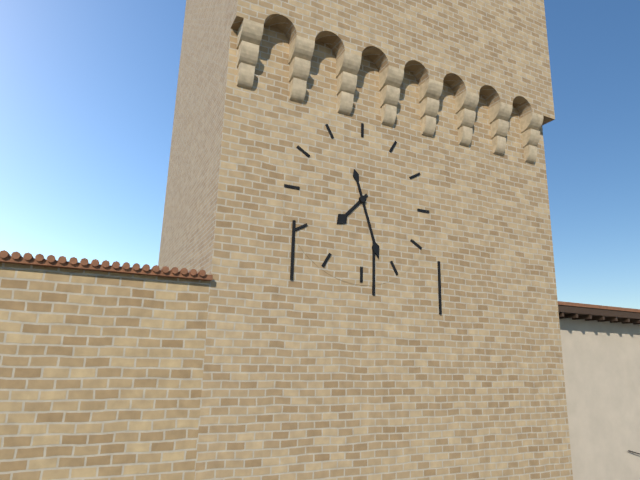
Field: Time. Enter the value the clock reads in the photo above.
7:27
